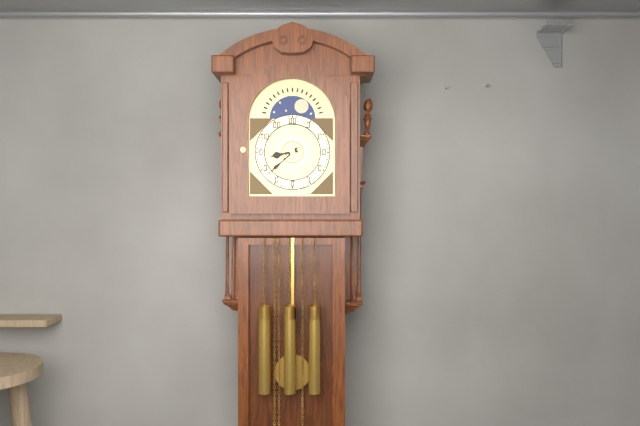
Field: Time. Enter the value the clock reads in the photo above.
8:38
